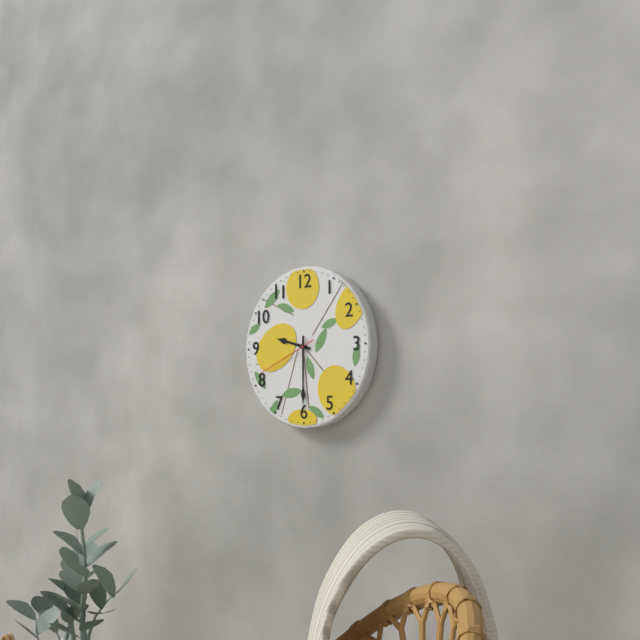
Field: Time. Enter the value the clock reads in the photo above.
9:30:41
